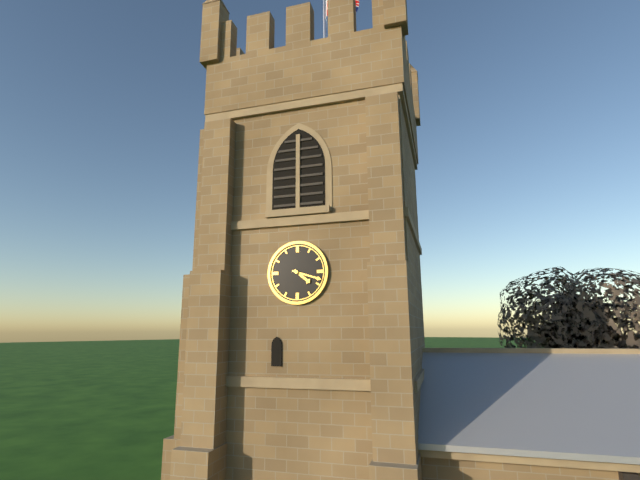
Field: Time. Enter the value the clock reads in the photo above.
4:18
